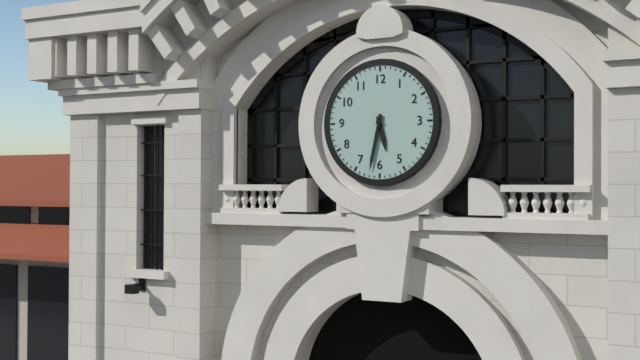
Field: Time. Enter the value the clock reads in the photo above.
5:32
